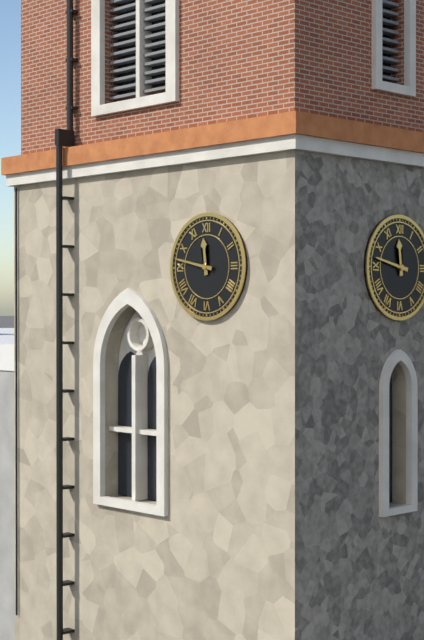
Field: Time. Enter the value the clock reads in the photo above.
11:47
